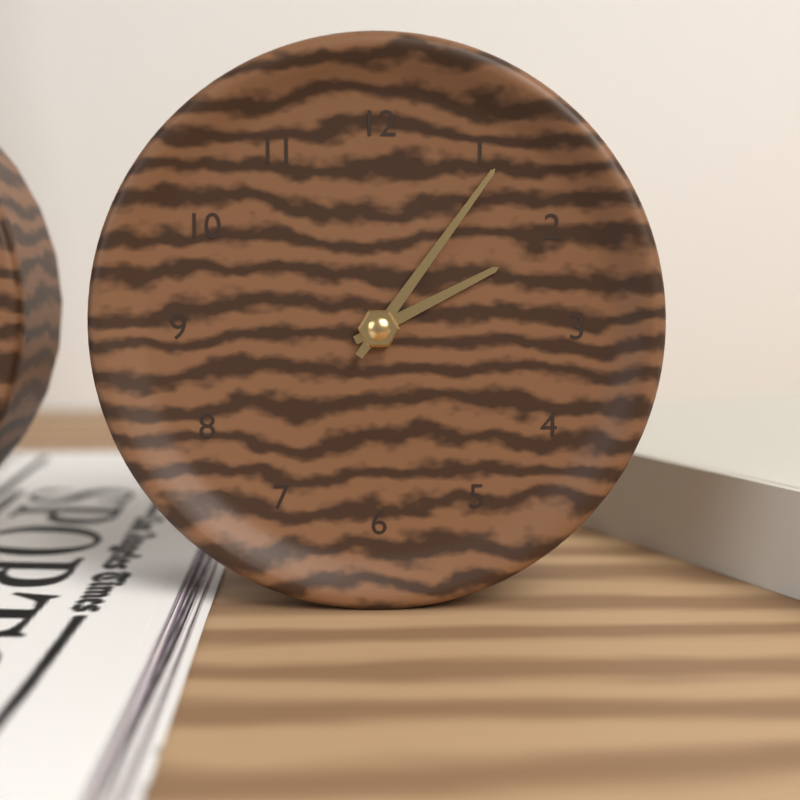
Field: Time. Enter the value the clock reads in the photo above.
2:06
